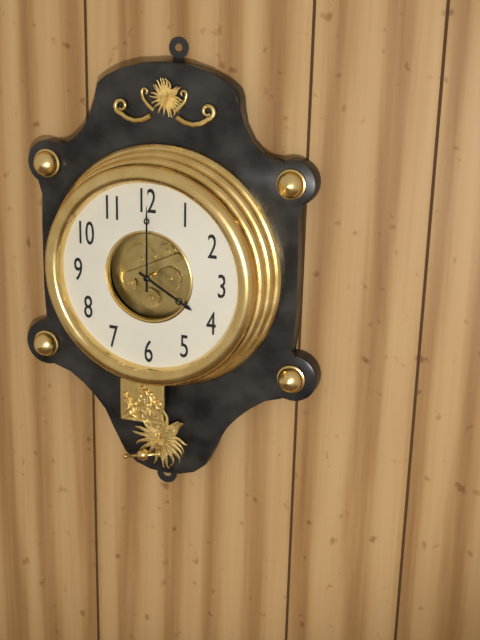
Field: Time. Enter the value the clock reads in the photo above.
4:00
